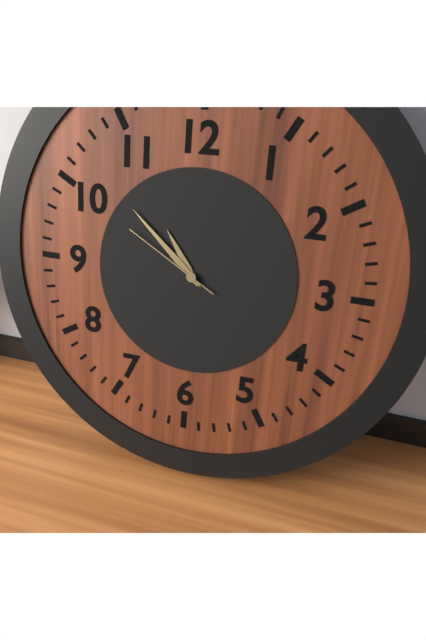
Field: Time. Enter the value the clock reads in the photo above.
10:52:50
